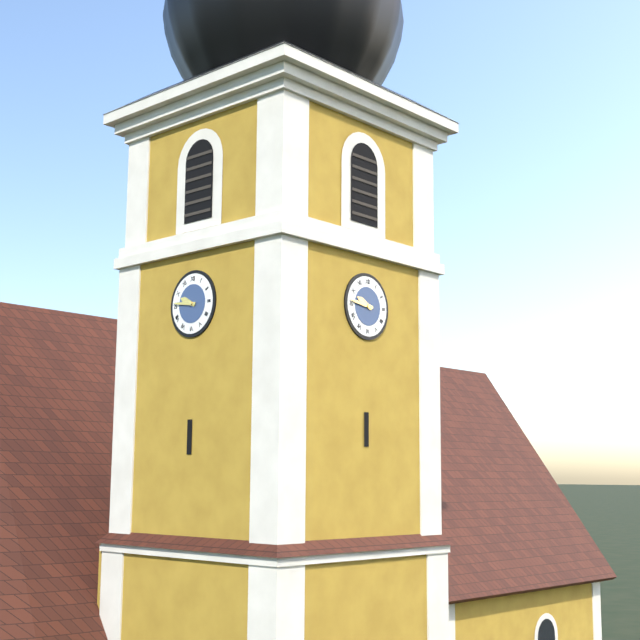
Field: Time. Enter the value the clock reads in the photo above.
9:46
